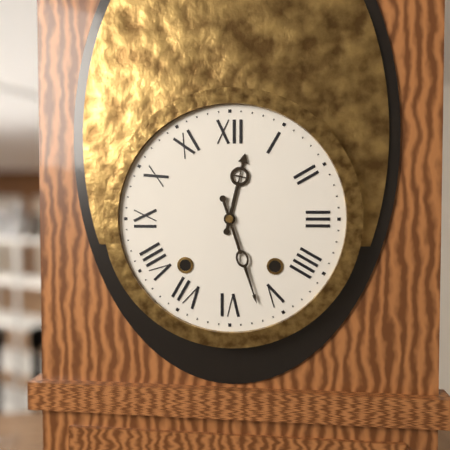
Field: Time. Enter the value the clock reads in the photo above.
12:27
